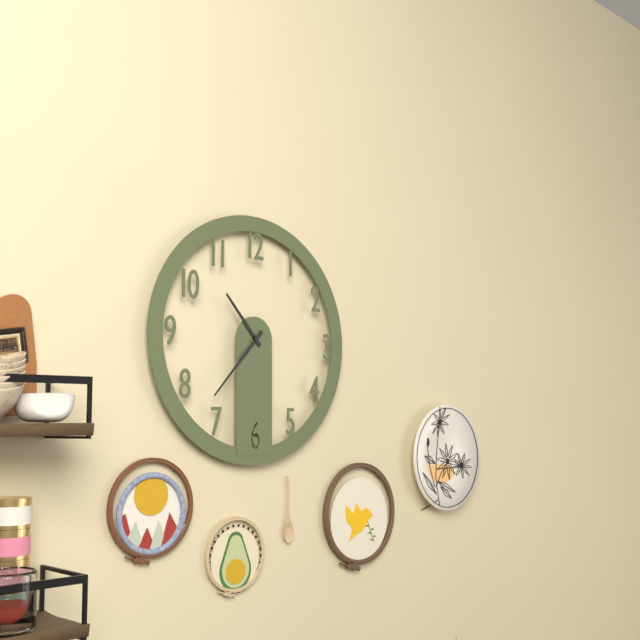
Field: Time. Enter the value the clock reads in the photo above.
10:37
